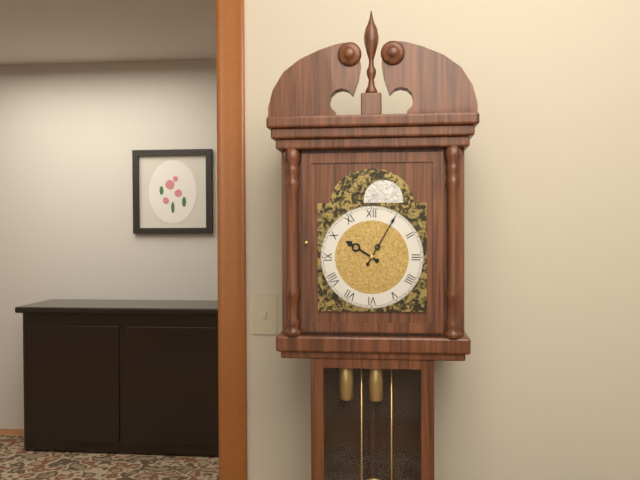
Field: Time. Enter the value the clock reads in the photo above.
10:05
